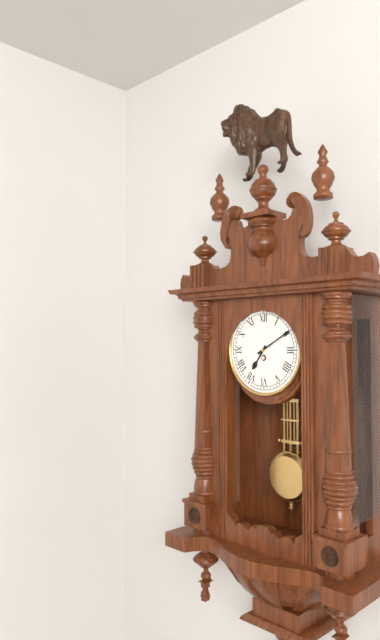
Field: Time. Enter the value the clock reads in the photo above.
7:10
